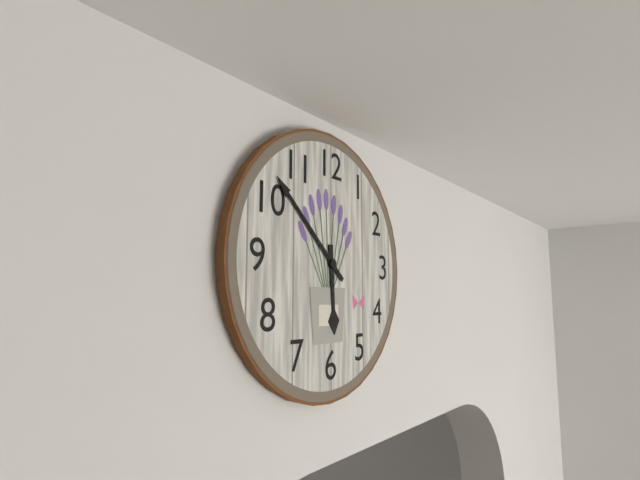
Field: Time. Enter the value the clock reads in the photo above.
5:52
